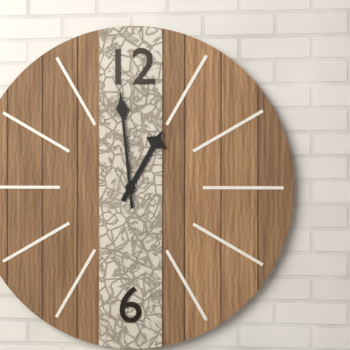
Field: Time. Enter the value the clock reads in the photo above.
12:59
